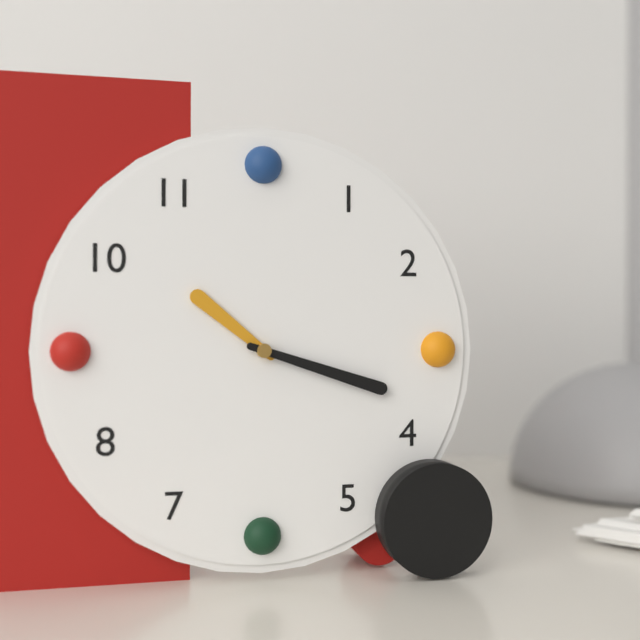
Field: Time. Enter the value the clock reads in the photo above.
10:18
